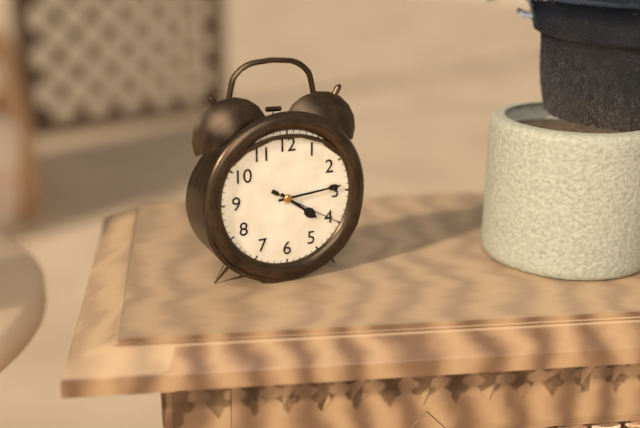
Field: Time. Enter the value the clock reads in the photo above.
4:14:20
